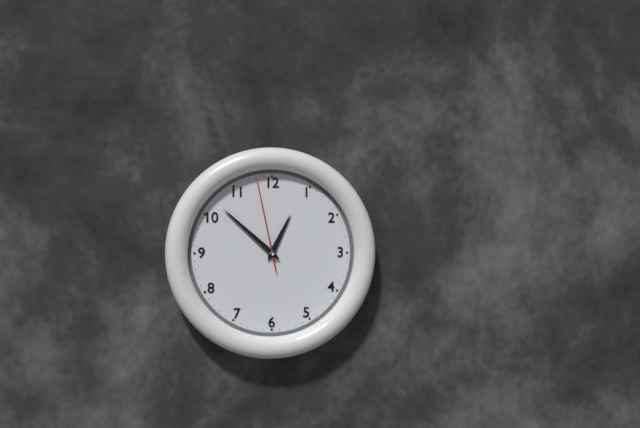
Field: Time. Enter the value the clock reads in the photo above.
12:52:58
